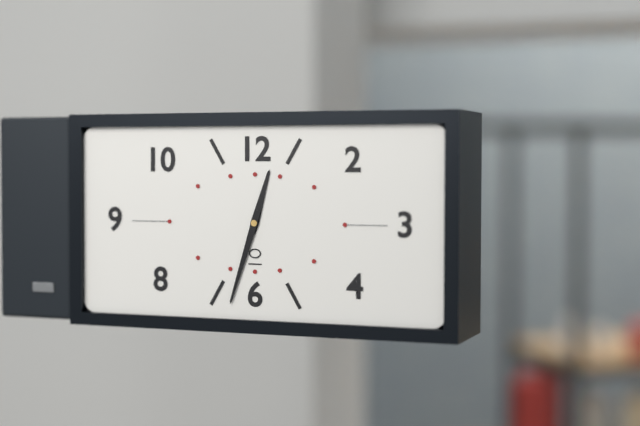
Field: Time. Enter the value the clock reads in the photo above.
12:33
